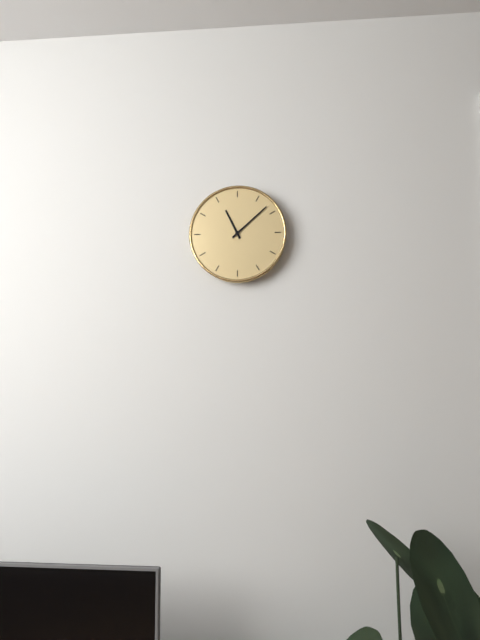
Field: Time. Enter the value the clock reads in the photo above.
11:08
